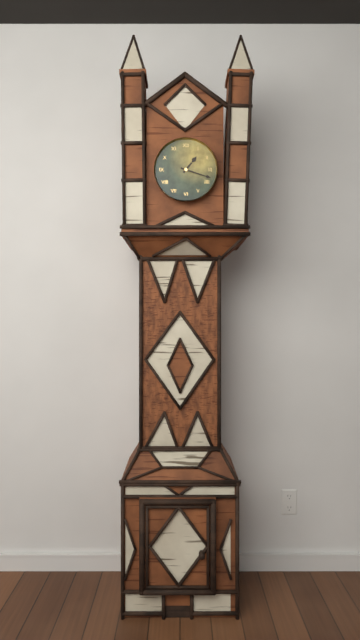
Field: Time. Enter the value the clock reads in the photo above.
1:18
